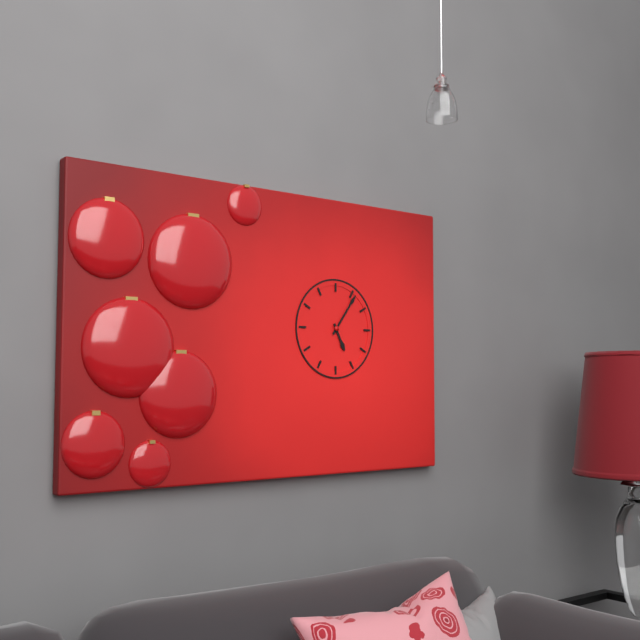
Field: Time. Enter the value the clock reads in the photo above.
5:06
